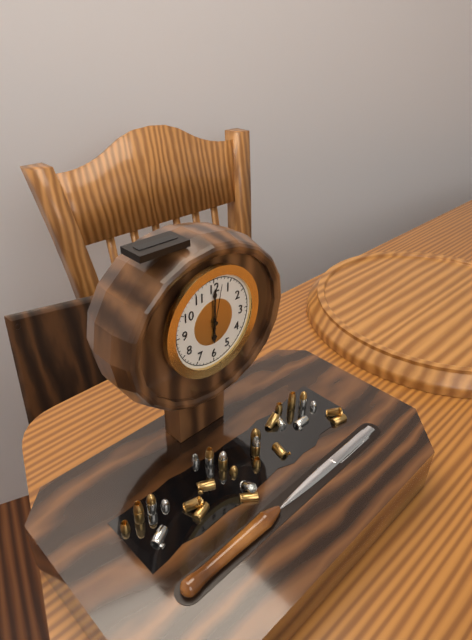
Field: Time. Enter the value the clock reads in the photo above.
6:00
